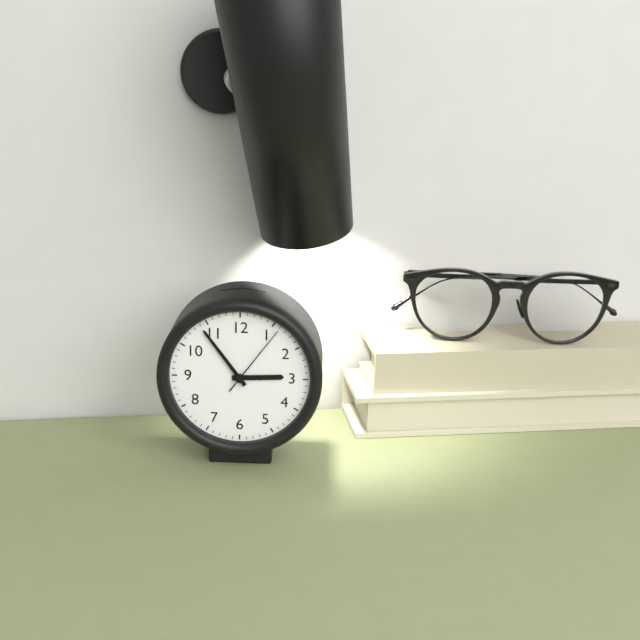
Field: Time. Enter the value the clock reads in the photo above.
2:54:06
